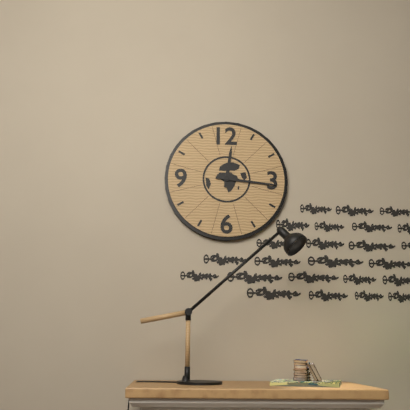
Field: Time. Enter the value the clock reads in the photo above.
12:16
